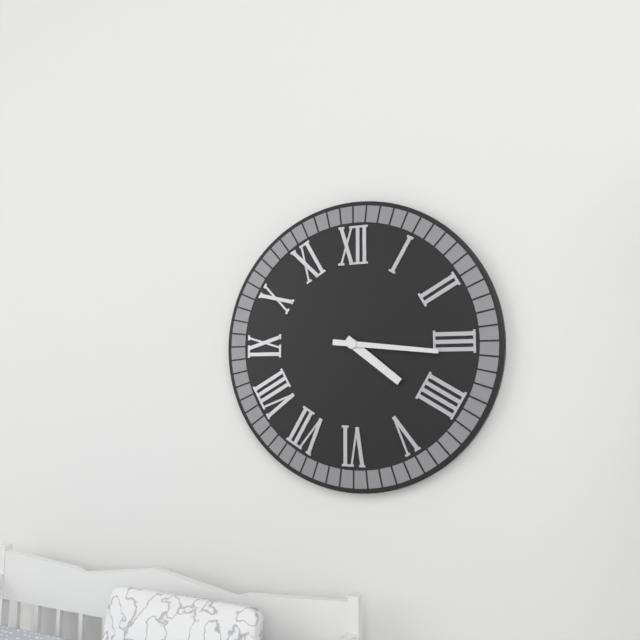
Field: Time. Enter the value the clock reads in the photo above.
4:16
